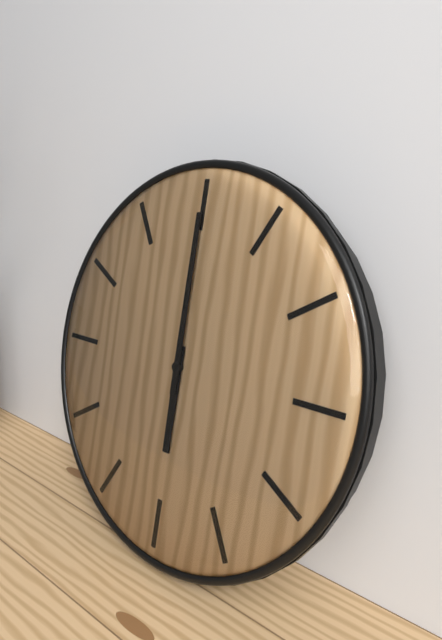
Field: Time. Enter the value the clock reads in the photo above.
6:00
